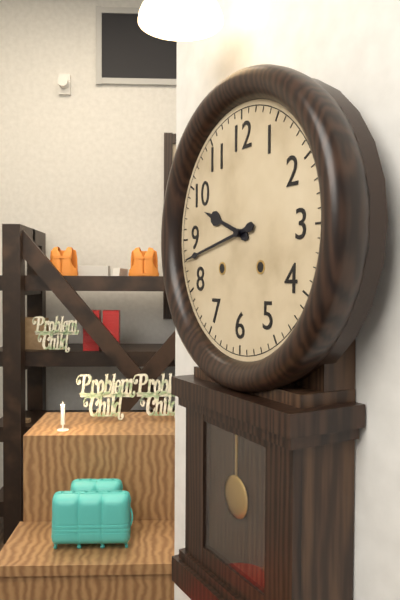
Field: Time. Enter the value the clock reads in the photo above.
9:43
